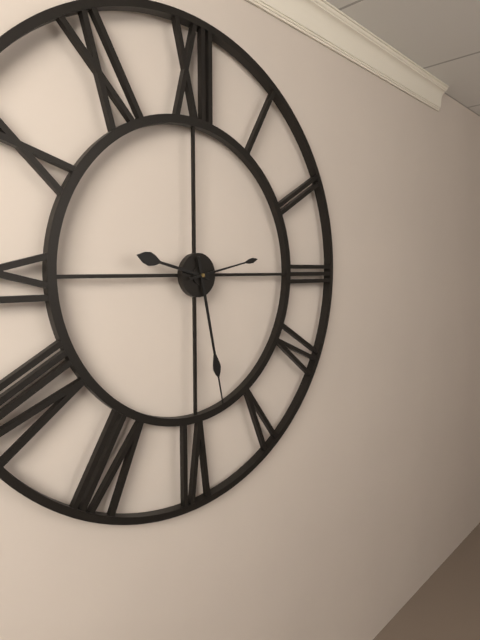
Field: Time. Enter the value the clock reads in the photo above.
9:28:13
